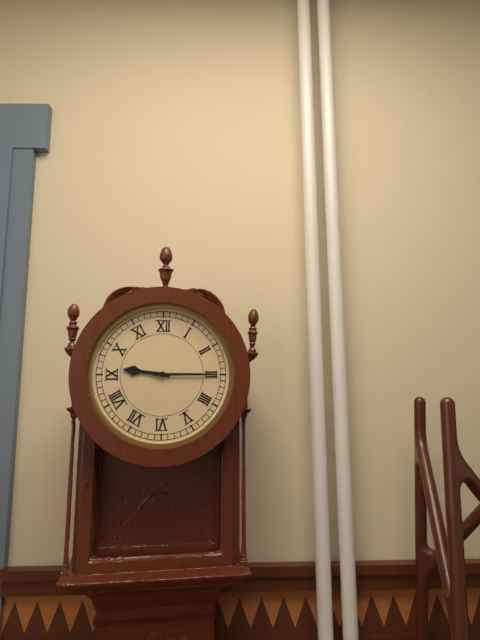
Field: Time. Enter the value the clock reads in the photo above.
9:15
